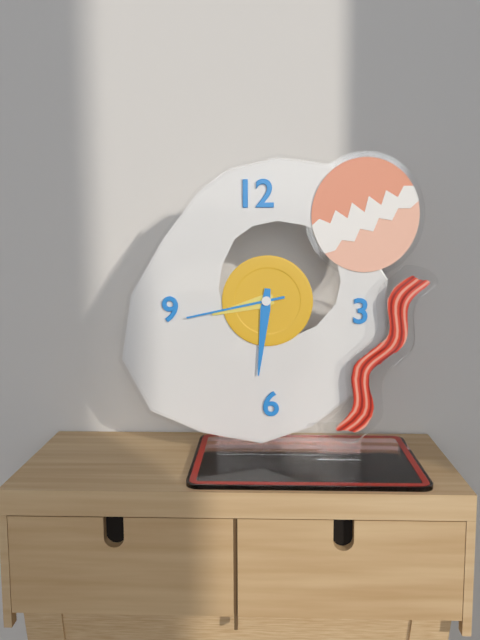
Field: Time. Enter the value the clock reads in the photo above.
8:31:43
